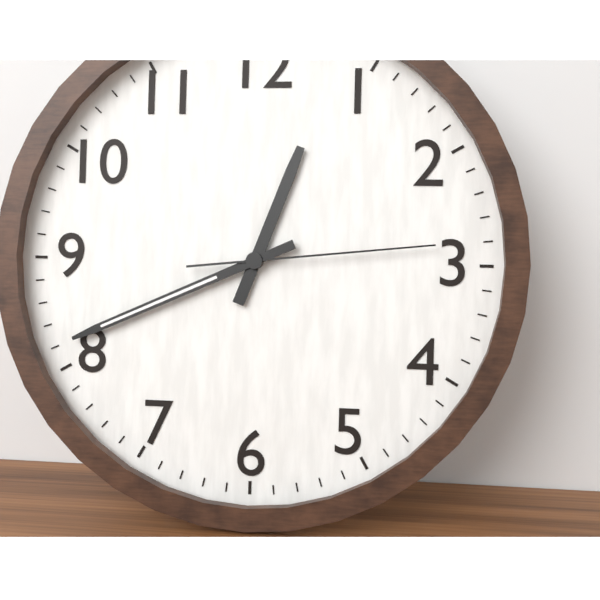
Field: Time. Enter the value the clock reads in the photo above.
12:41:14
